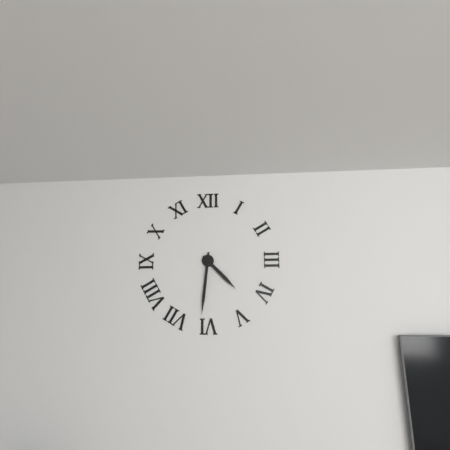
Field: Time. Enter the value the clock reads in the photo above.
4:31
